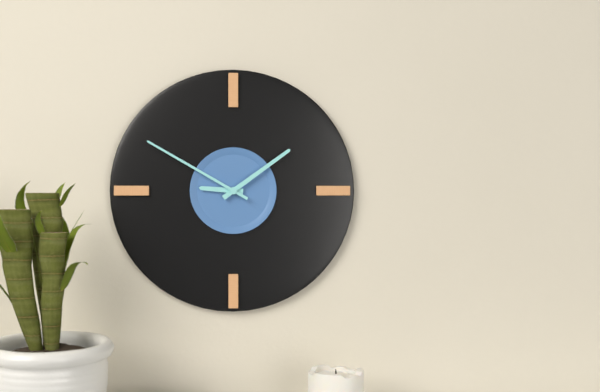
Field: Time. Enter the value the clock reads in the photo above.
9:09:50
